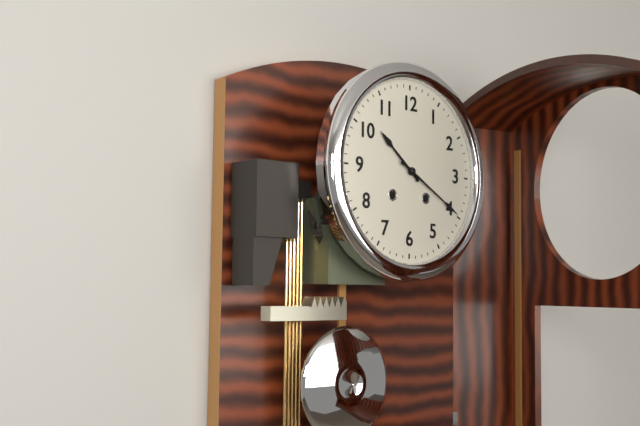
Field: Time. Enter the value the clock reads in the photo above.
10:20
